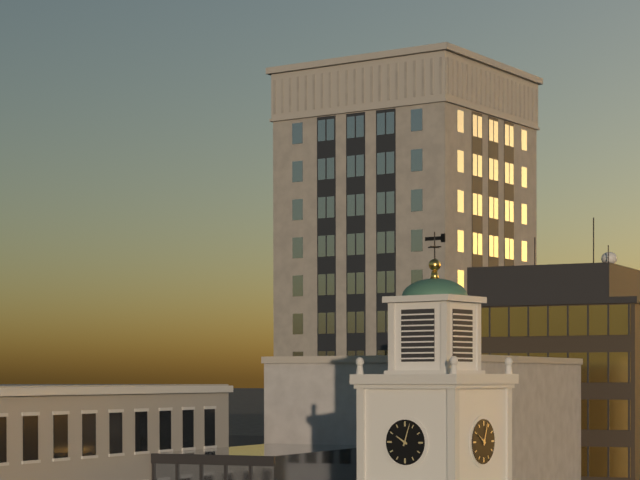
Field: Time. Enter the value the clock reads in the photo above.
10:03
